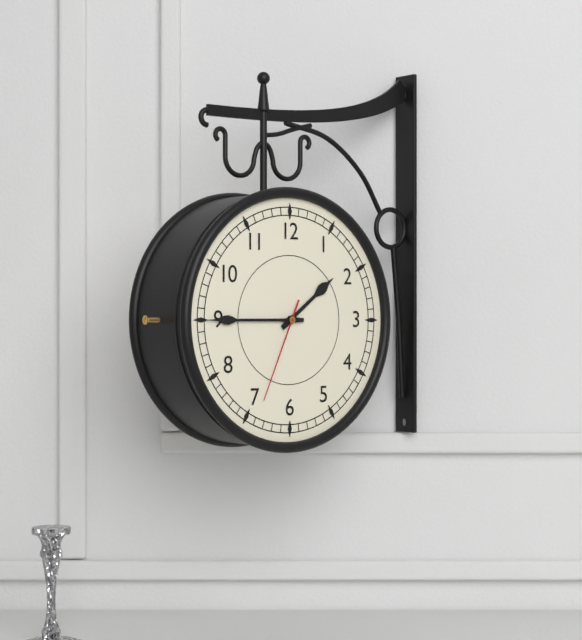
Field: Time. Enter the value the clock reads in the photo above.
1:45:34
